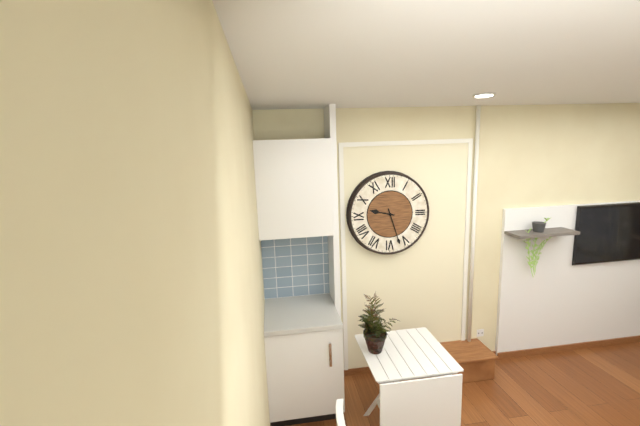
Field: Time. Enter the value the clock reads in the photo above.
9:27
